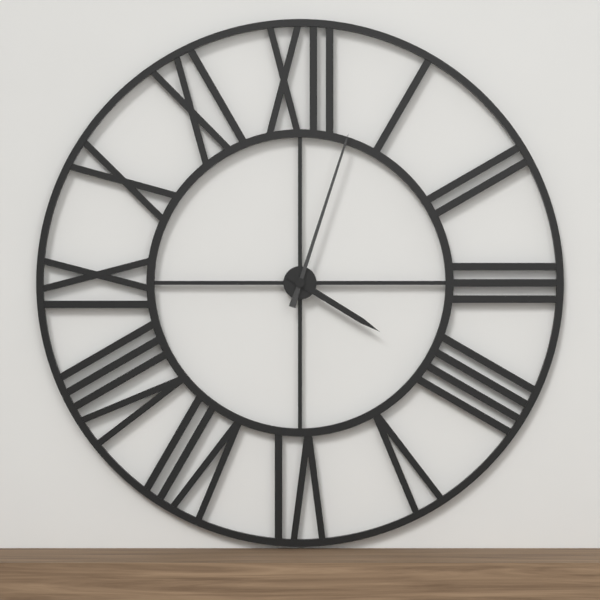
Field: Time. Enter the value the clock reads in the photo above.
4:03
